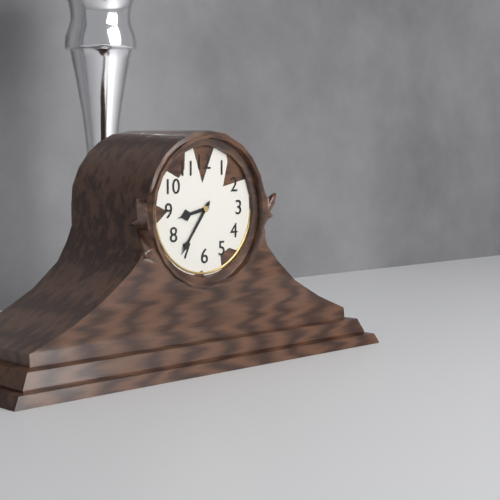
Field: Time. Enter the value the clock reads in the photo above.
8:36
